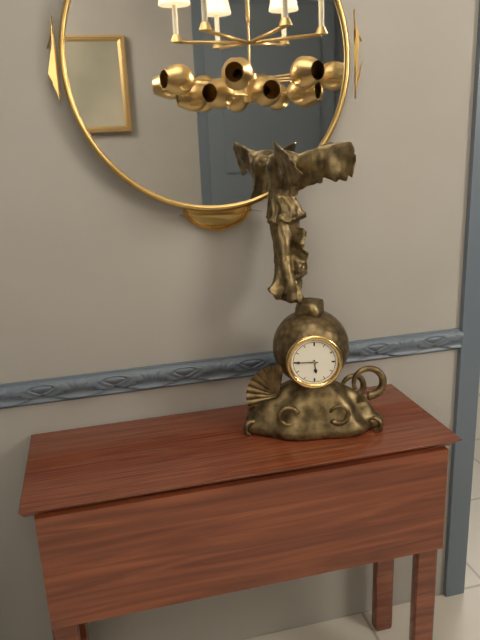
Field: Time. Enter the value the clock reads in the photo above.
5:45
